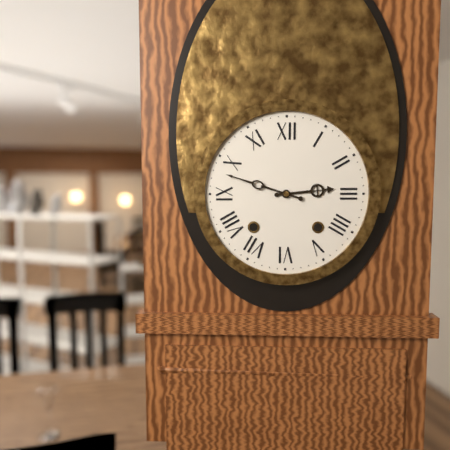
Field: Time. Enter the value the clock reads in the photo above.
2:48
